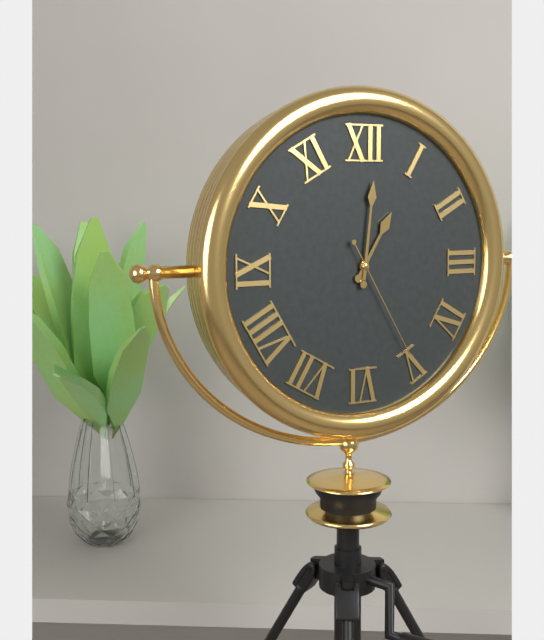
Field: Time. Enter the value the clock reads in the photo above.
1:01:25
